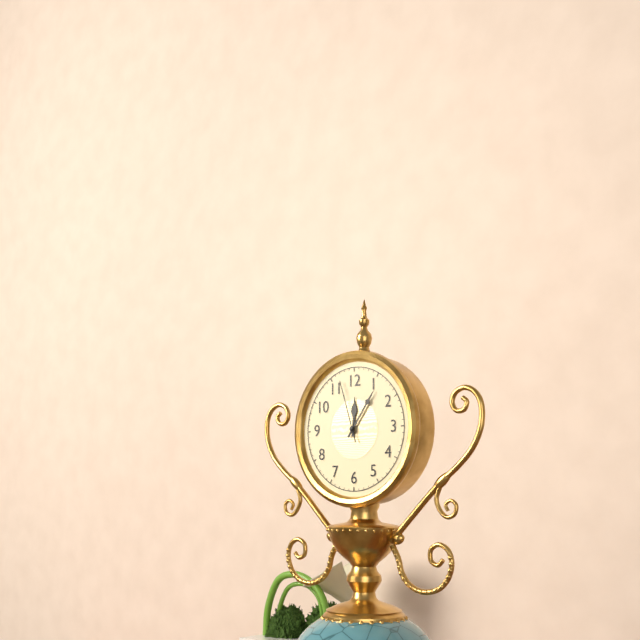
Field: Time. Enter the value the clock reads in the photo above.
12:06:57
